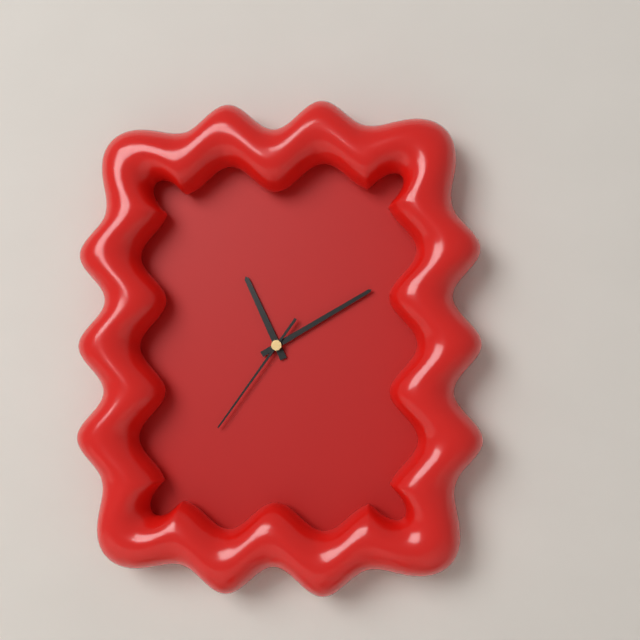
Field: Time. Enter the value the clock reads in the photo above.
11:10:36
